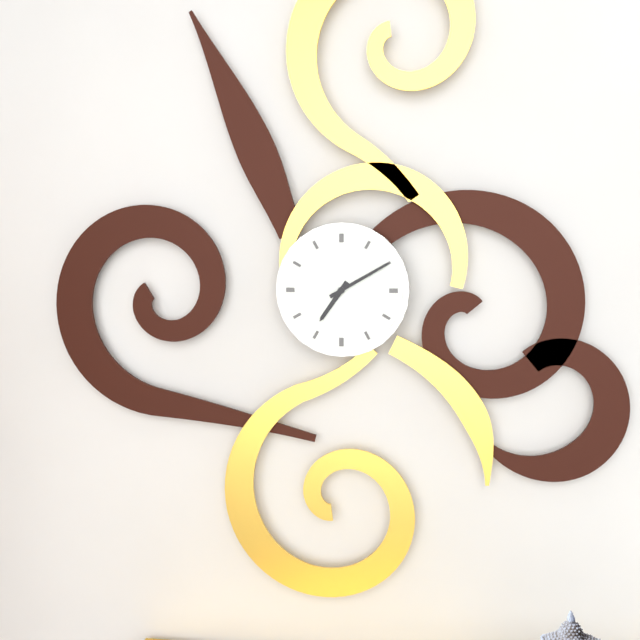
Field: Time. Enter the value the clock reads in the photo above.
7:10
